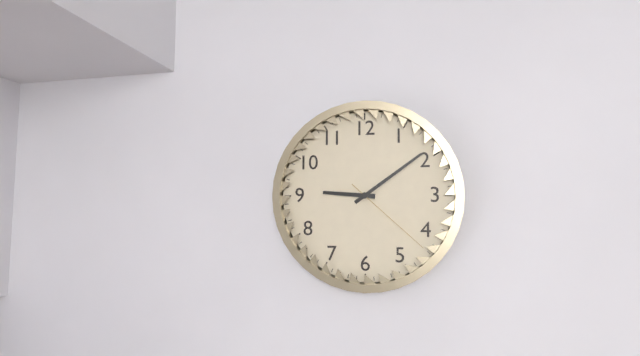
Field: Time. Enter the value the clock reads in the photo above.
9:09:22
